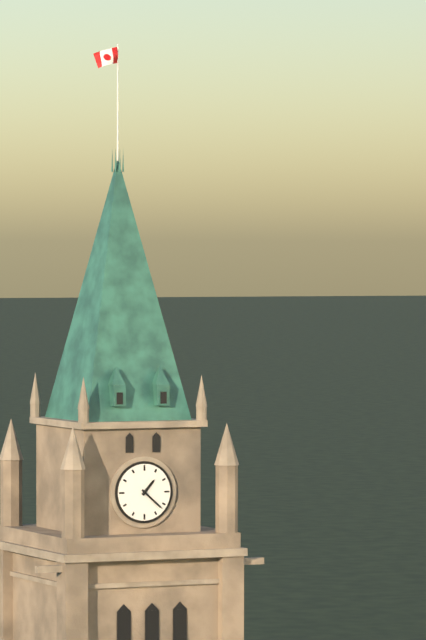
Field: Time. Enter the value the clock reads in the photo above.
1:22
